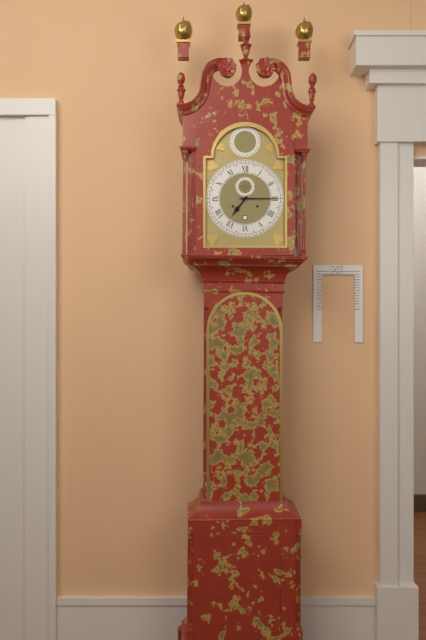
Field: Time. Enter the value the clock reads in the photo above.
7:15
